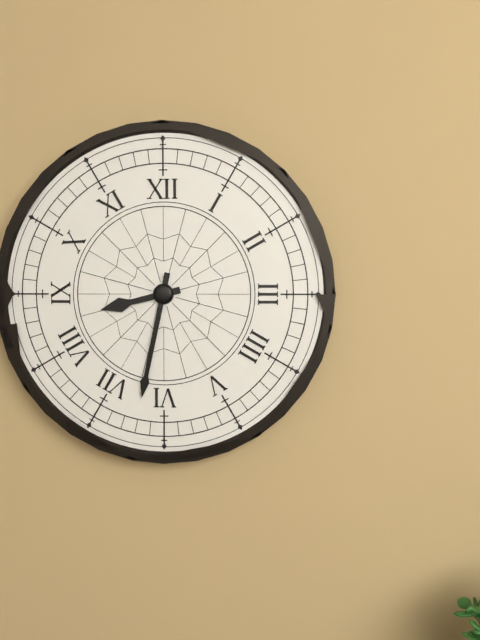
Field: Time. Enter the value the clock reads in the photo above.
8:32
